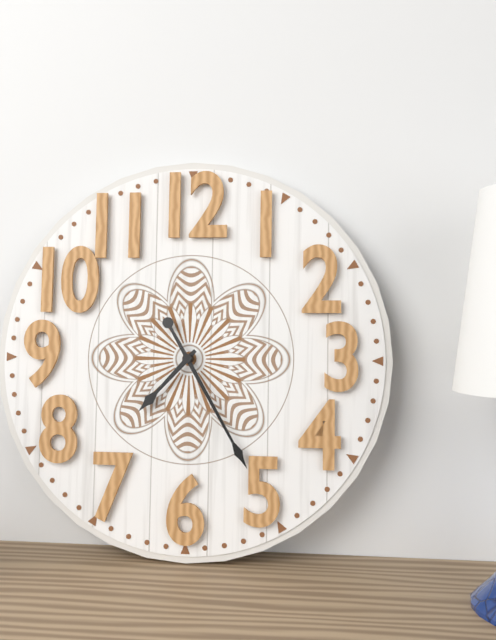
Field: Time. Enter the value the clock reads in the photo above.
7:25
